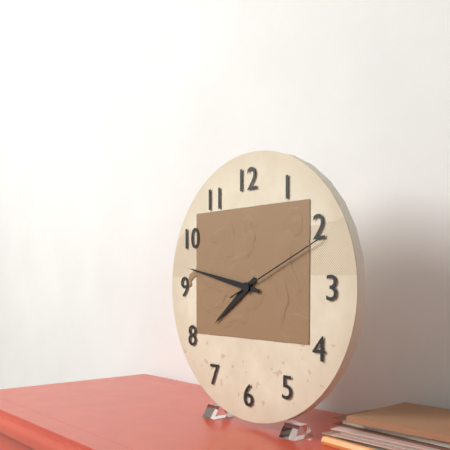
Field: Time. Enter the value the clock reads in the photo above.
7:47:11
